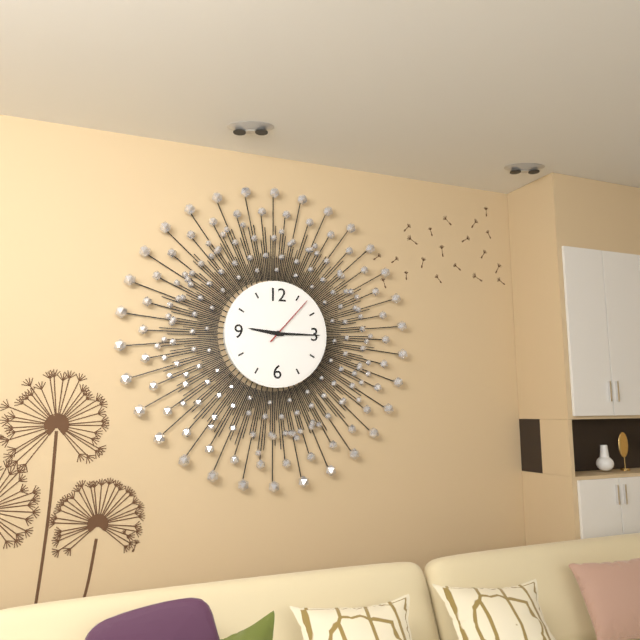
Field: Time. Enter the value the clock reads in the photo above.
9:15:07
